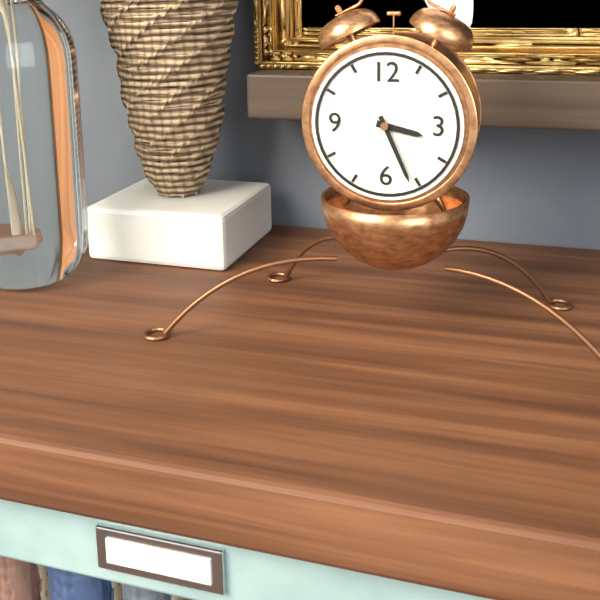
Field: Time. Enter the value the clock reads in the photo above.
3:26
